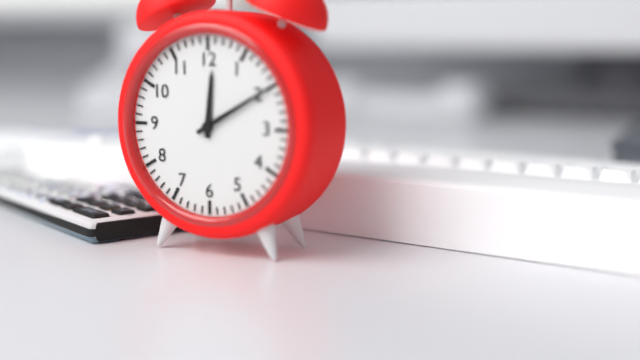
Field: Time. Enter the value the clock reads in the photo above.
12:10
